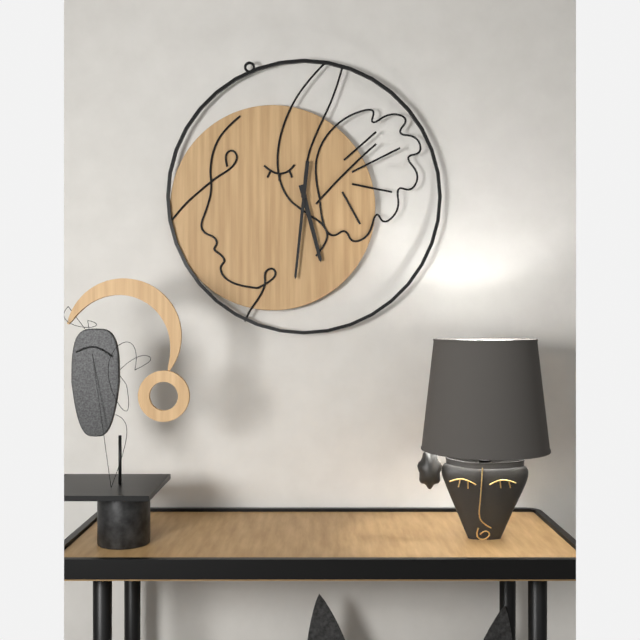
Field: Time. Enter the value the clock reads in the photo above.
5:31
